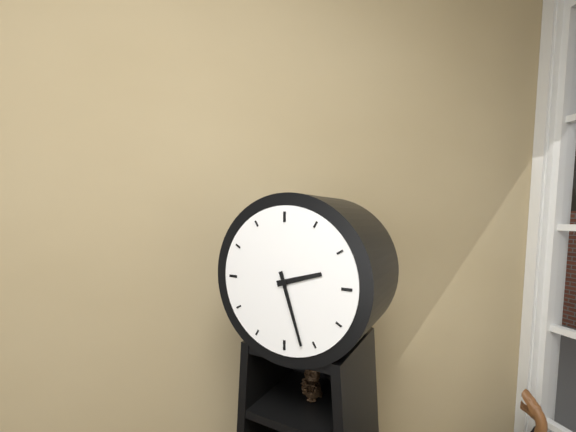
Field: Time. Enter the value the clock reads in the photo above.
2:27
